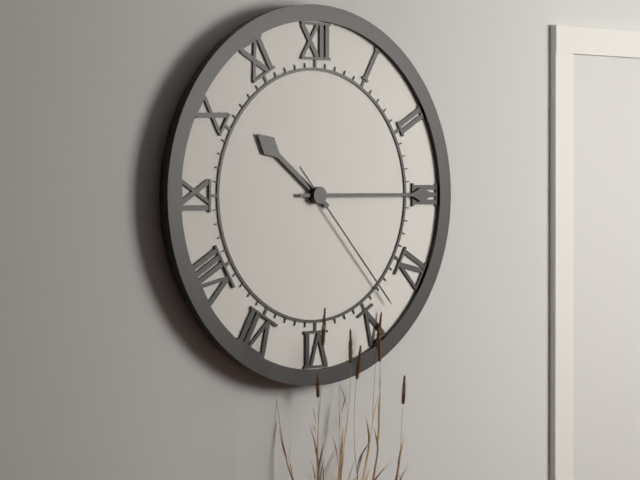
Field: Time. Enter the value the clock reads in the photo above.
10:15:23
